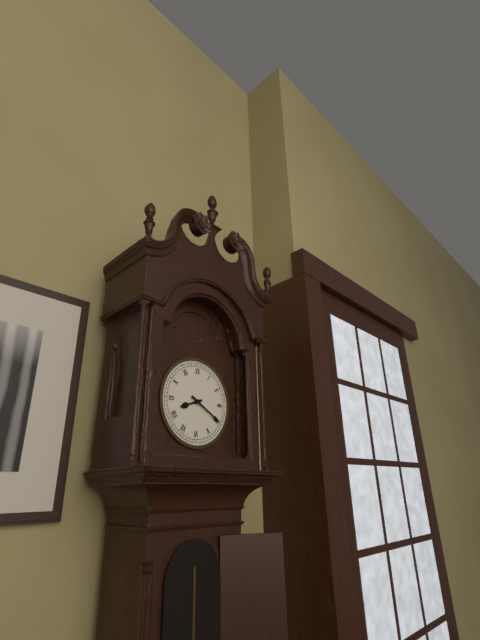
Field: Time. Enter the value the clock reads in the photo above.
8:20
